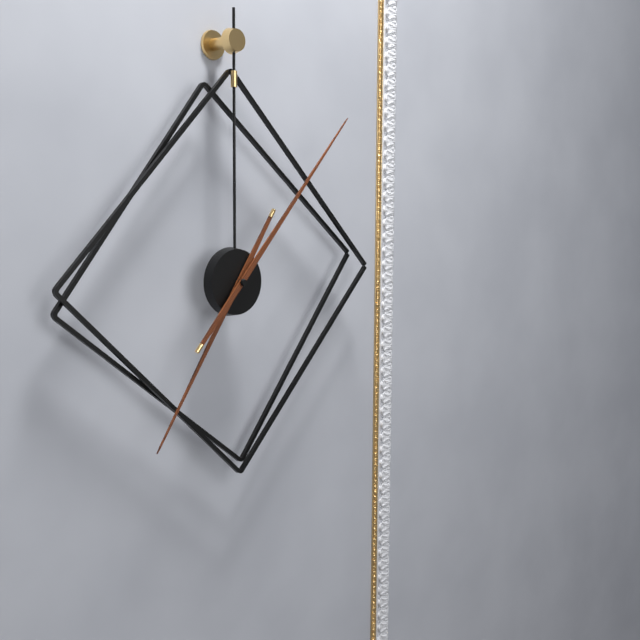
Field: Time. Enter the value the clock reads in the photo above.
7:07
